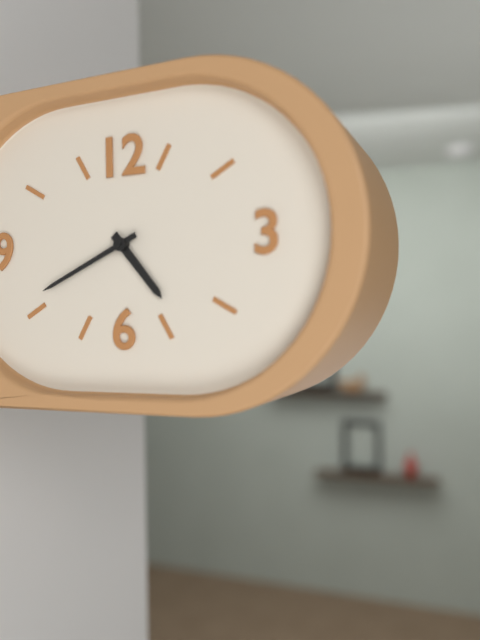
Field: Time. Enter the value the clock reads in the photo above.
4:41
